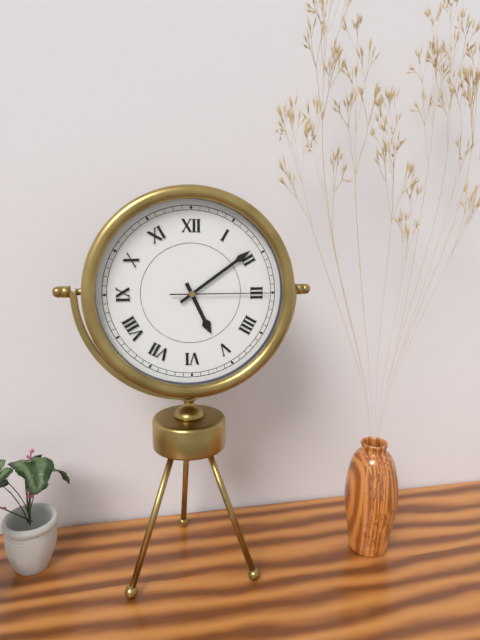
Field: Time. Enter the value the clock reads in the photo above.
5:09:15
